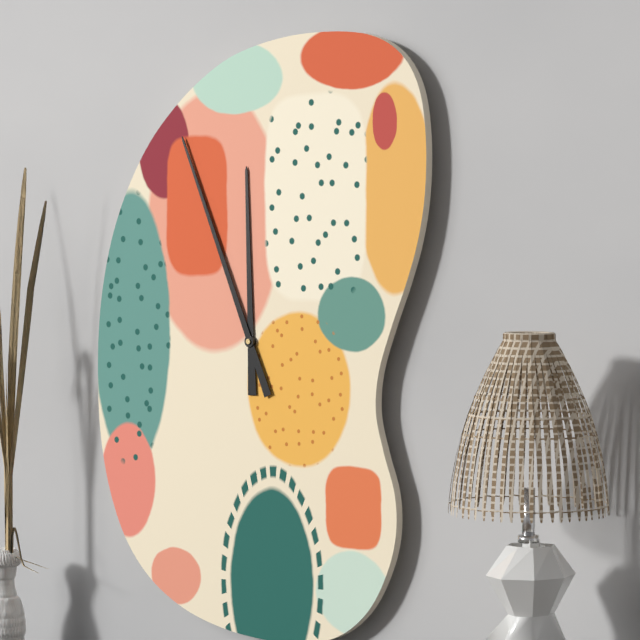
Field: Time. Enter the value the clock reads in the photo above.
11:56
